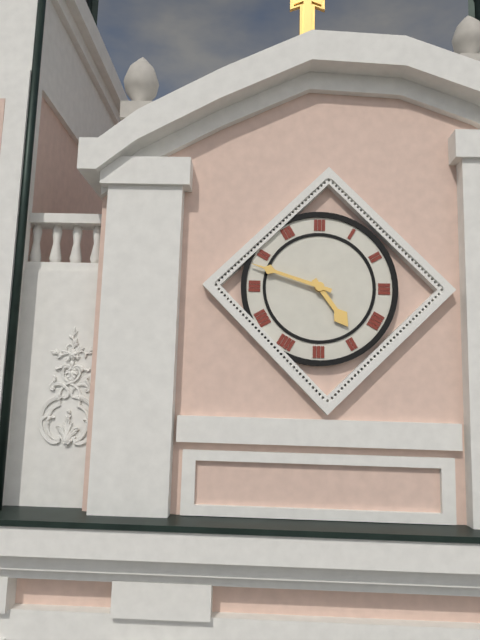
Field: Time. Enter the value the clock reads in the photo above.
4:48
